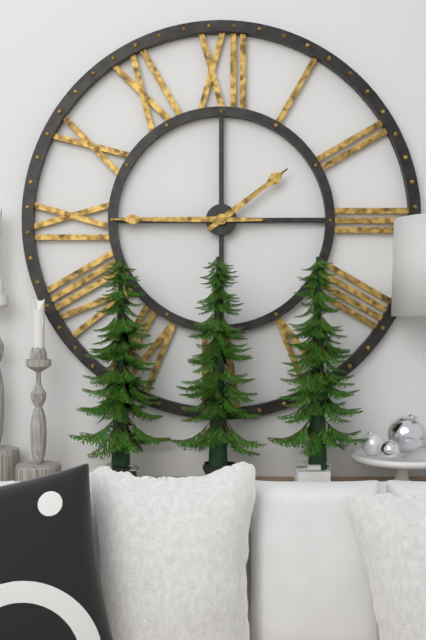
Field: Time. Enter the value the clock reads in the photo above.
1:45
